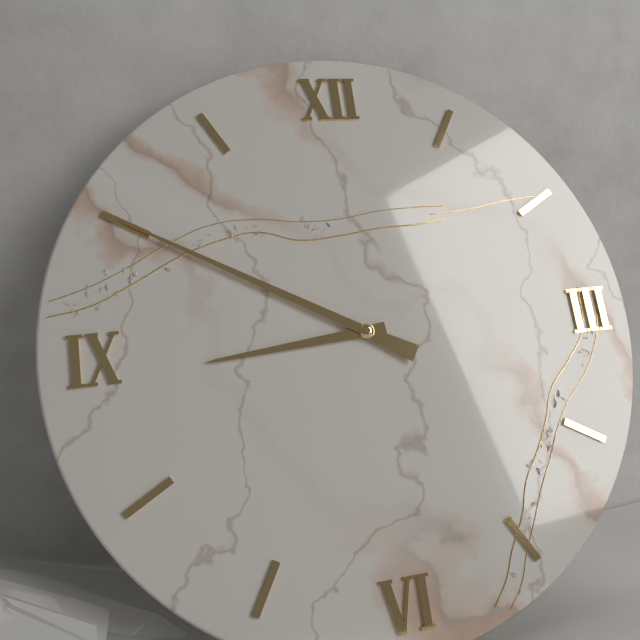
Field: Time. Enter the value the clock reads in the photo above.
8:50
